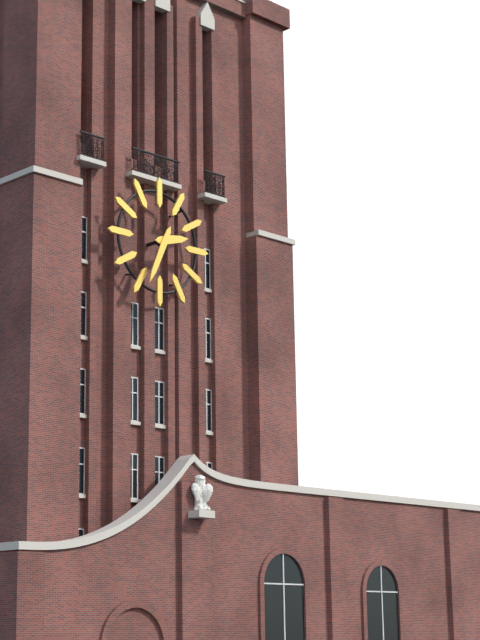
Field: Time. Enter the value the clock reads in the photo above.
2:34
